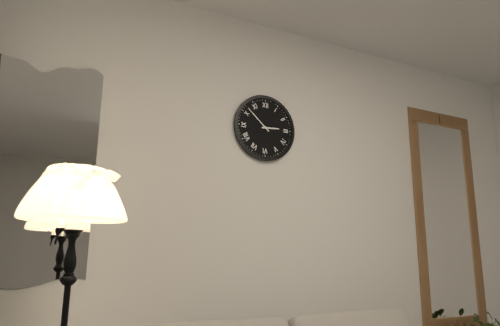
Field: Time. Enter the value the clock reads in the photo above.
2:52
